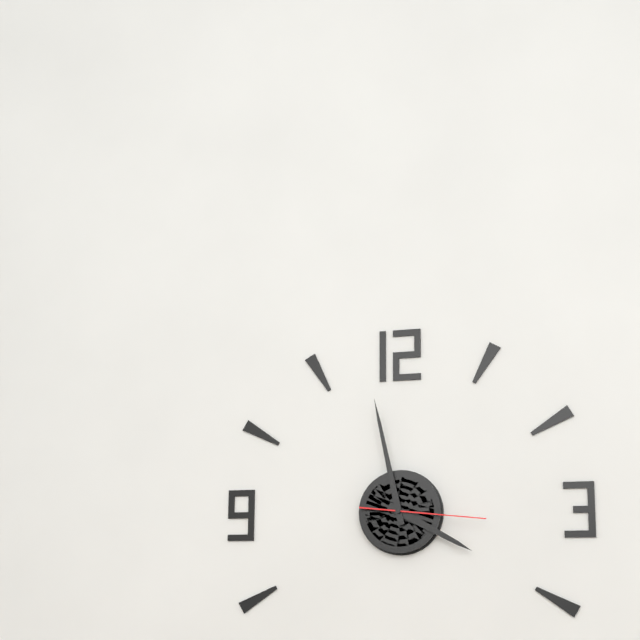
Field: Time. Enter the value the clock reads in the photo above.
3:58:16
